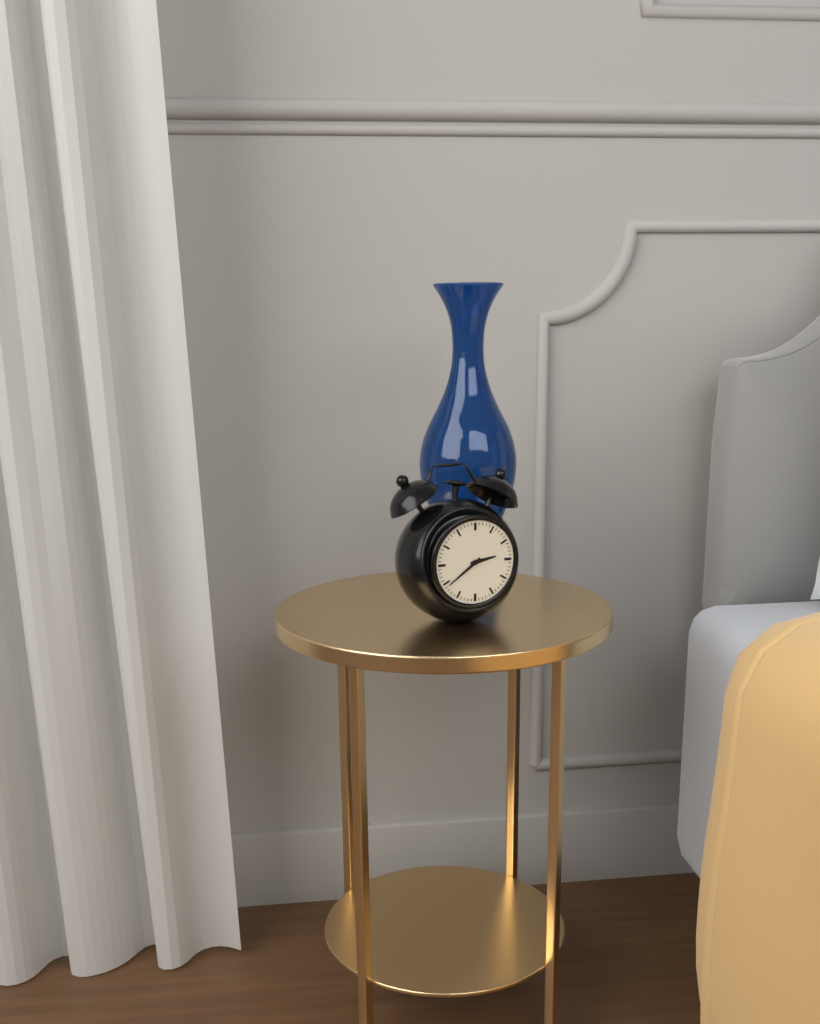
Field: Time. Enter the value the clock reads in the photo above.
2:39
